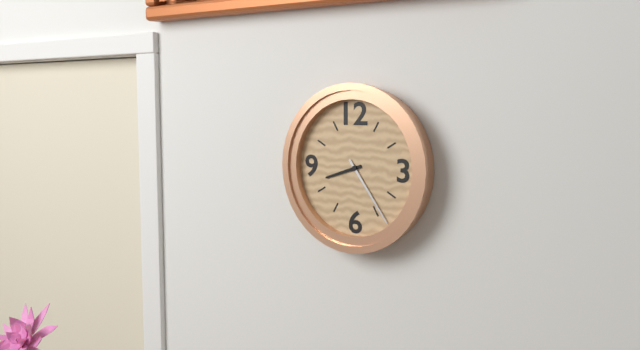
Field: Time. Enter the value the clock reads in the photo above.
8:24
